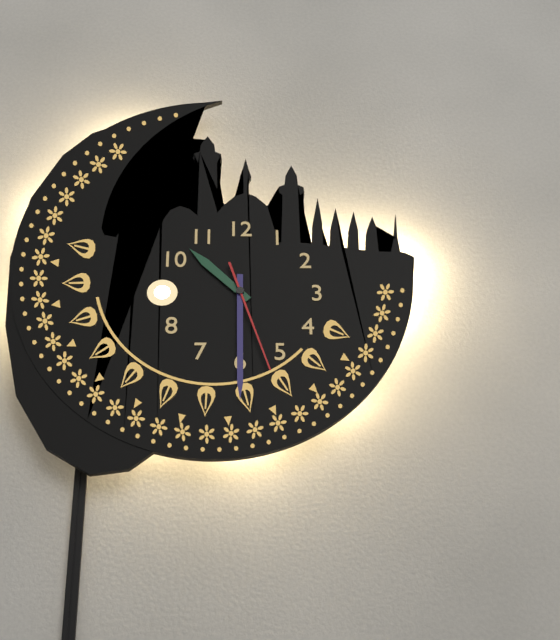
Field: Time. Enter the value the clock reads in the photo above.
10:30:27
